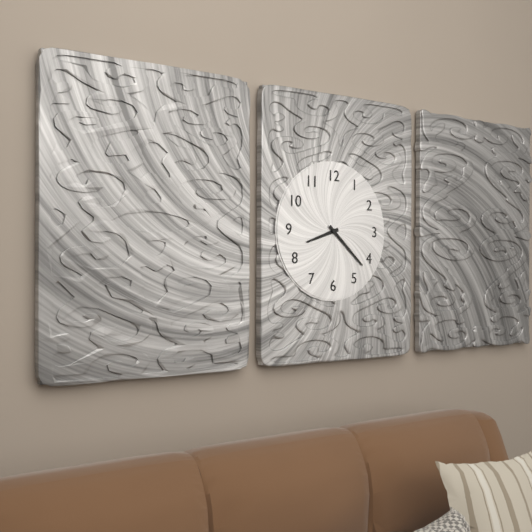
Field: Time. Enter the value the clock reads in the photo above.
8:22
